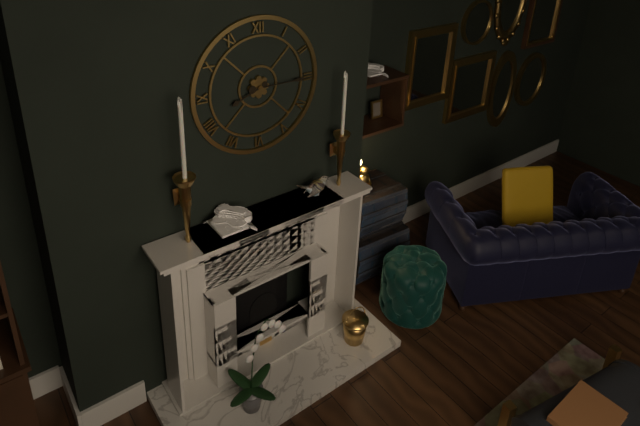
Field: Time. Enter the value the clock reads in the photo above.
8:15
